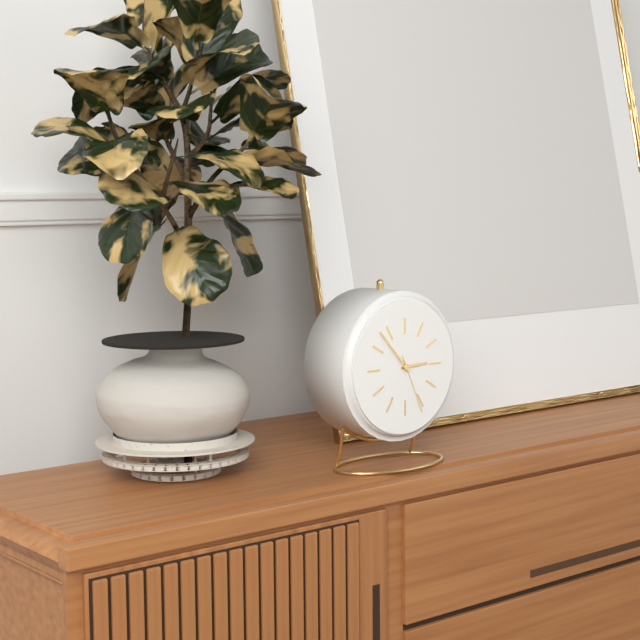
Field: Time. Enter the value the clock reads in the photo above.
2:53:26
